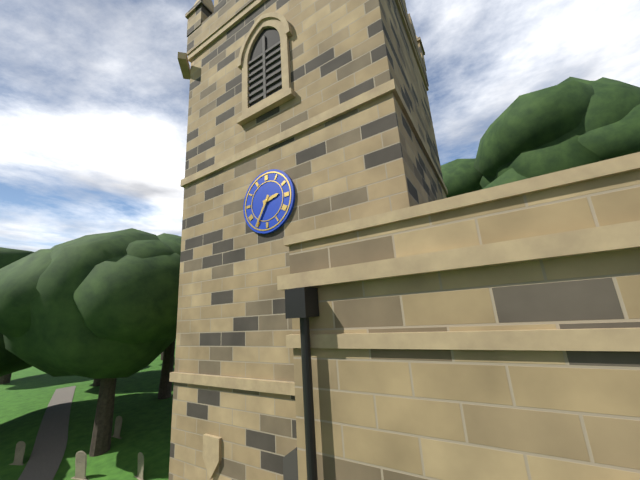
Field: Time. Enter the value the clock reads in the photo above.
2:35
